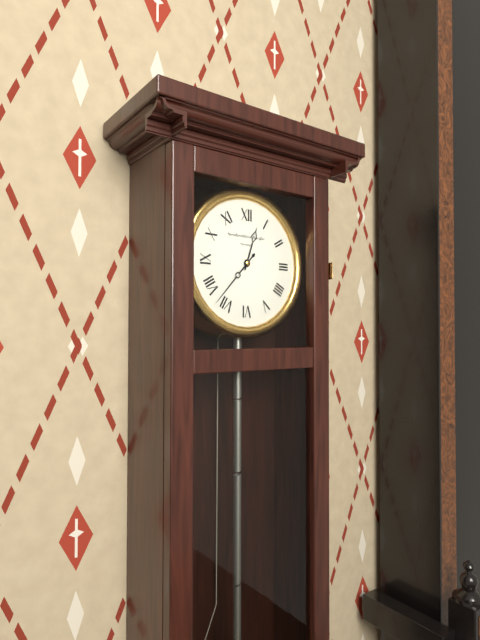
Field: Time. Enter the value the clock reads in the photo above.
12:37
